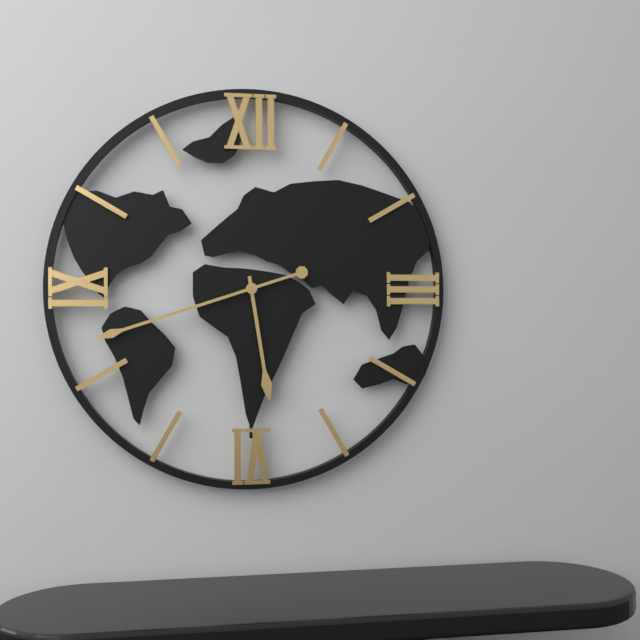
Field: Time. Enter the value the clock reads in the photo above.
5:42
